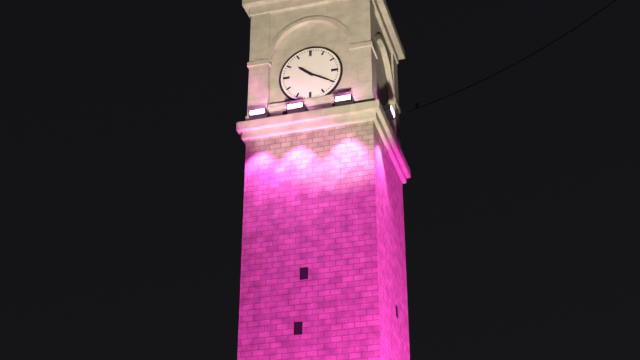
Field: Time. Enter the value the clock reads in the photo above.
10:20
